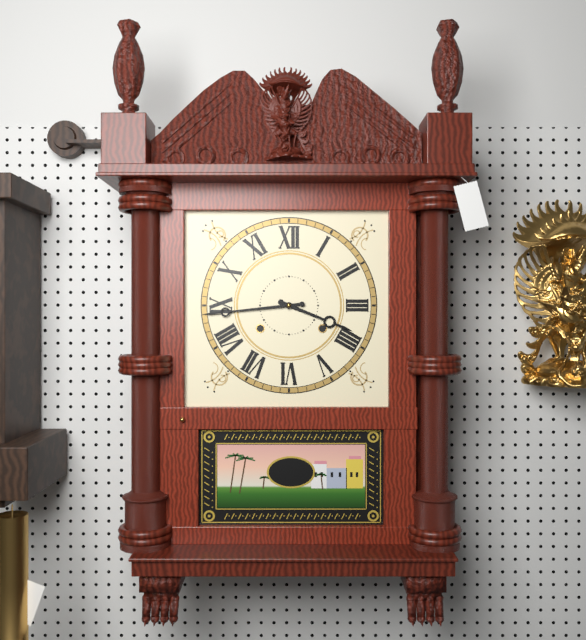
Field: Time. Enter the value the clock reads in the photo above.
3:44
